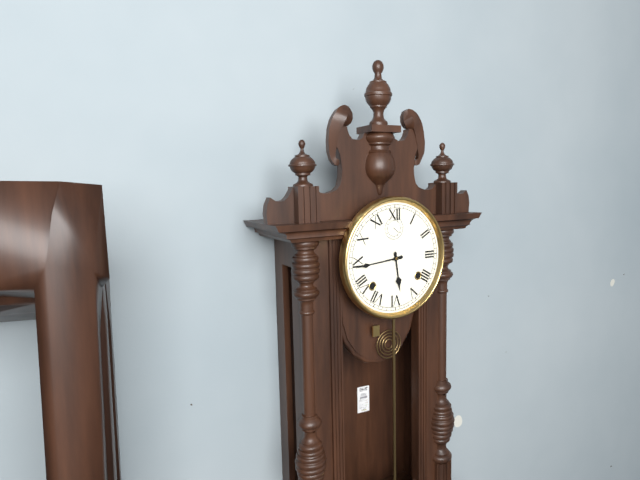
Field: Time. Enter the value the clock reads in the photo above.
5:44
